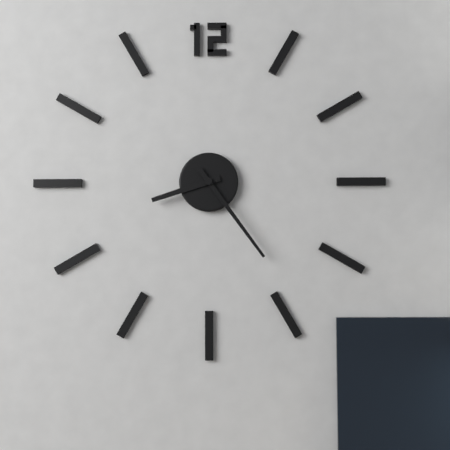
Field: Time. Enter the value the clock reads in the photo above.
8:24
